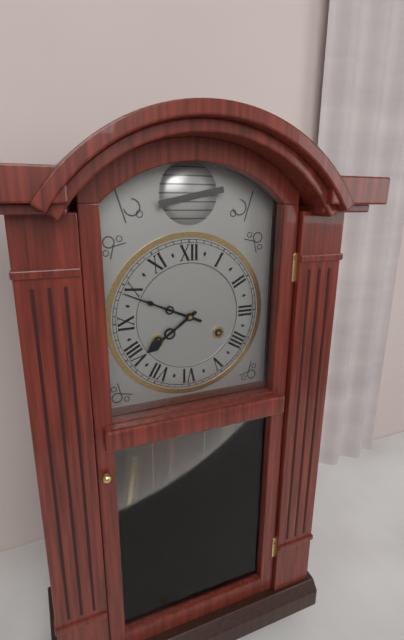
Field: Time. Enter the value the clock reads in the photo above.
7:49
